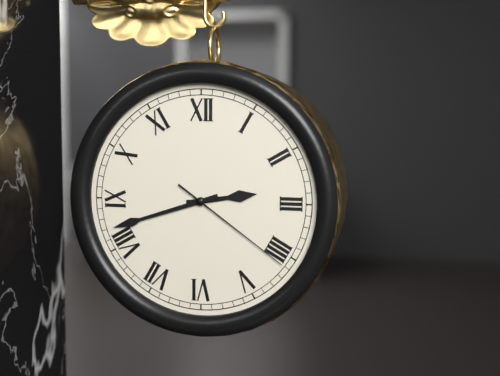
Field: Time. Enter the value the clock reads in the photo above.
2:42:21
